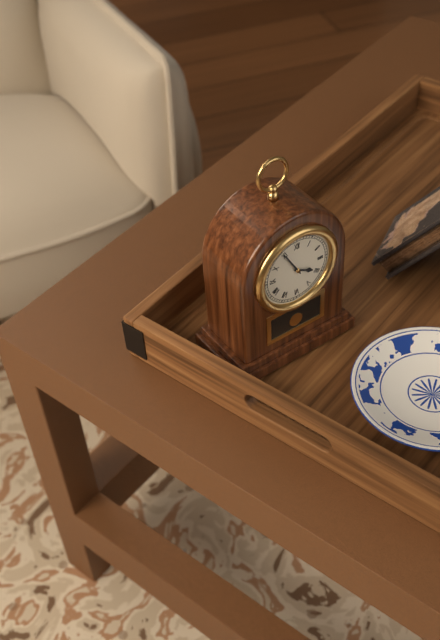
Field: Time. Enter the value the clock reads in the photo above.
3:55
